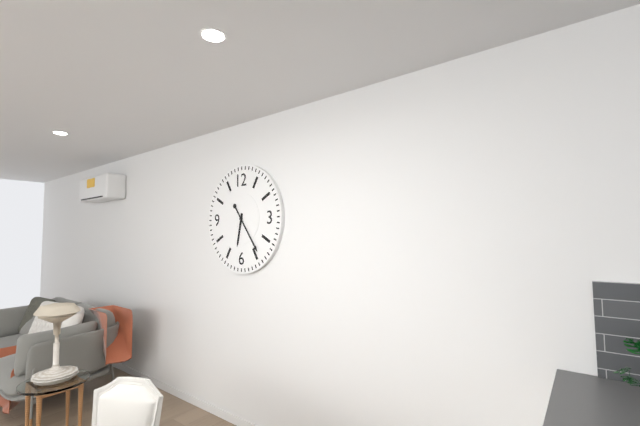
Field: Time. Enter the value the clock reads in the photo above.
6:24
